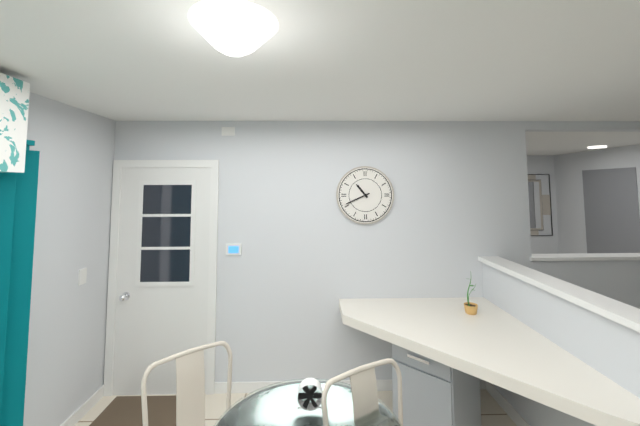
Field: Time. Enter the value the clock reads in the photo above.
10:41
